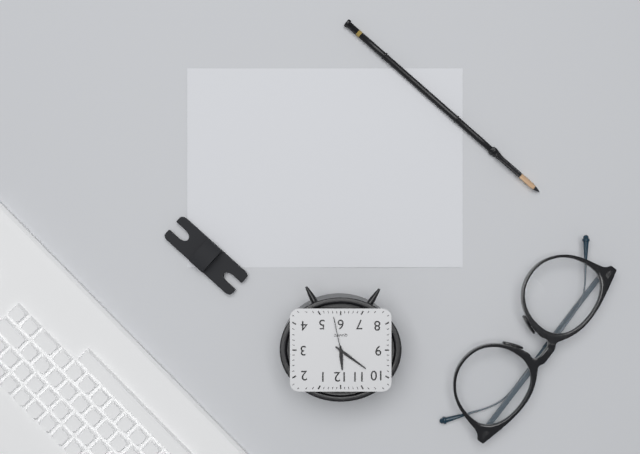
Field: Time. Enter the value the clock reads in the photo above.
11:51
